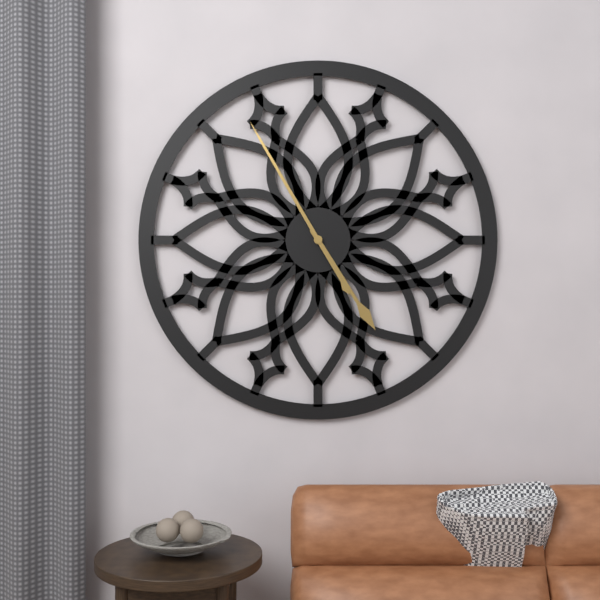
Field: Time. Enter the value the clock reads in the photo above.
4:55
